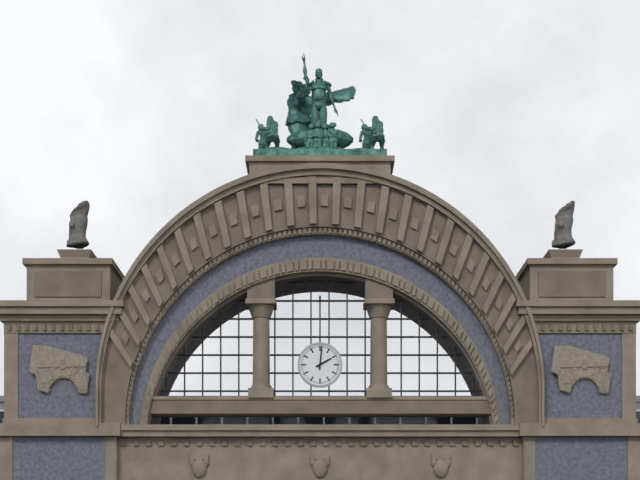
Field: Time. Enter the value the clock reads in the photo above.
2:01
